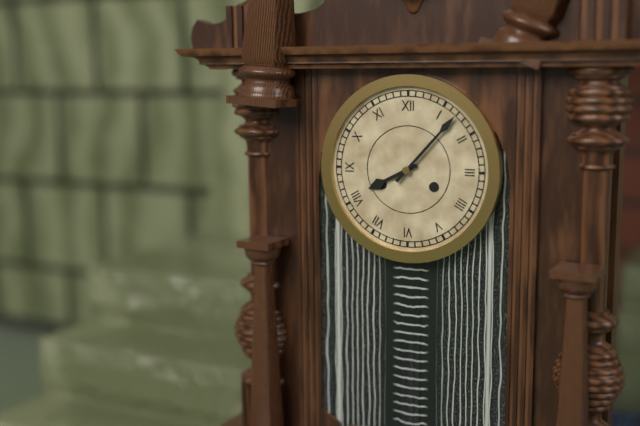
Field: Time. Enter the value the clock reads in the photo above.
8:07
